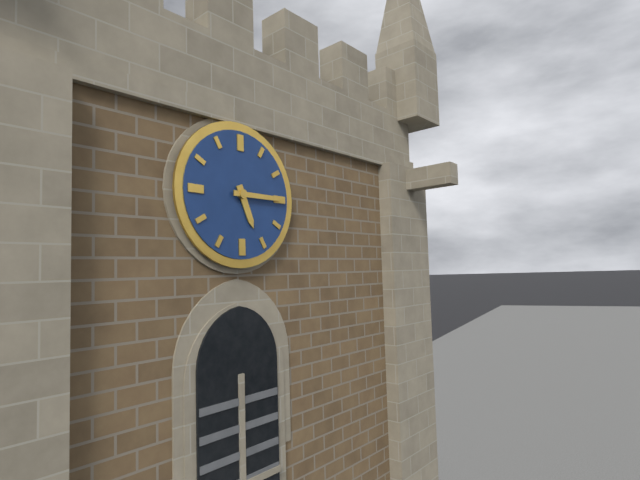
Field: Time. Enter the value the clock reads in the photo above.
5:15
